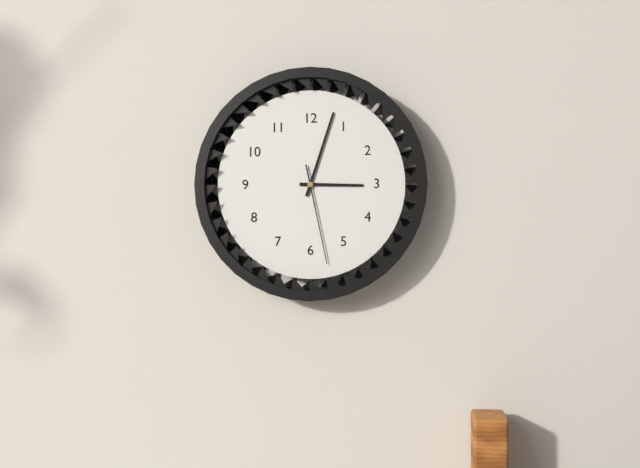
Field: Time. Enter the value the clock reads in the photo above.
3:03:28
